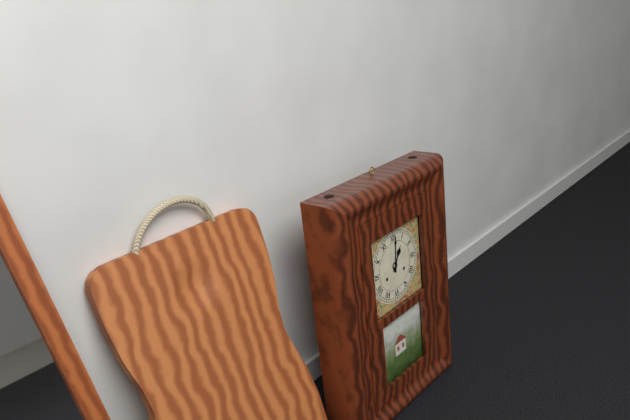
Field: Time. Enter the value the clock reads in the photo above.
1:01
